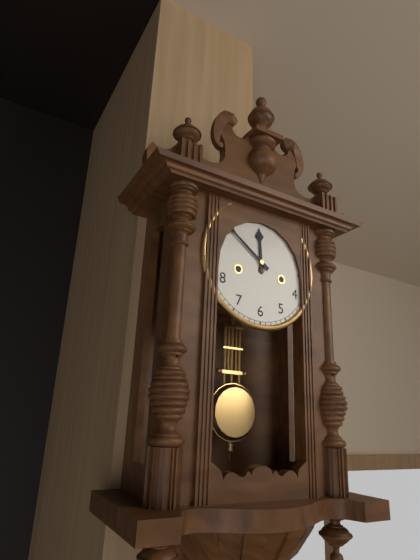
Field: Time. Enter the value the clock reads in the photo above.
11:51
